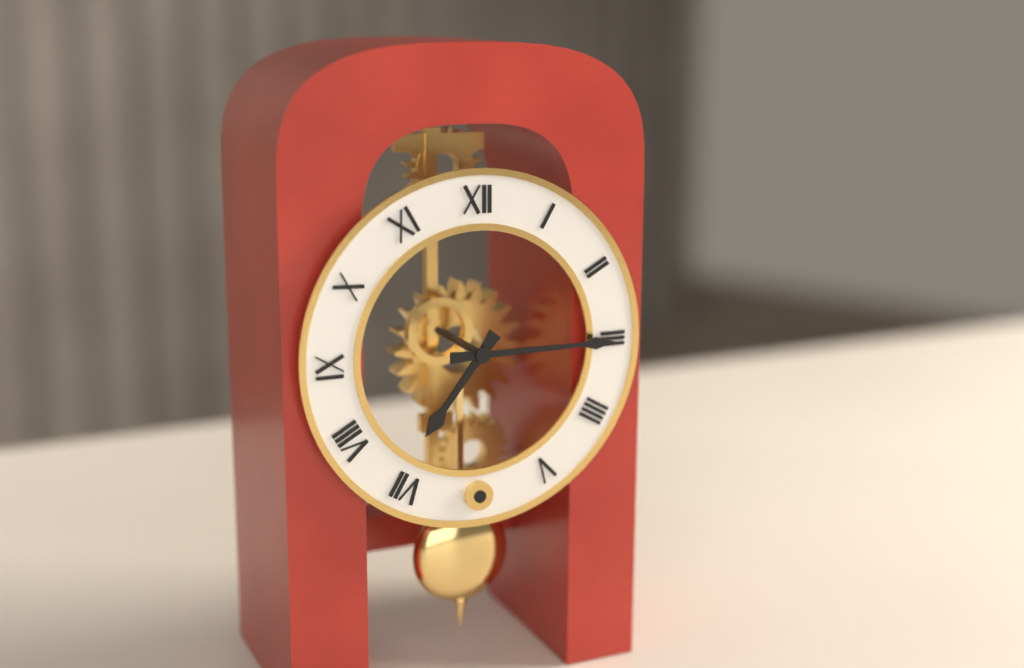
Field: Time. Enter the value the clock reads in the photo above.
7:15
